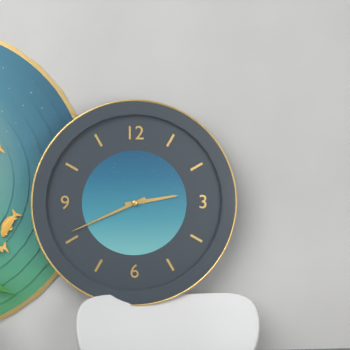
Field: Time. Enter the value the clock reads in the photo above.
2:41
